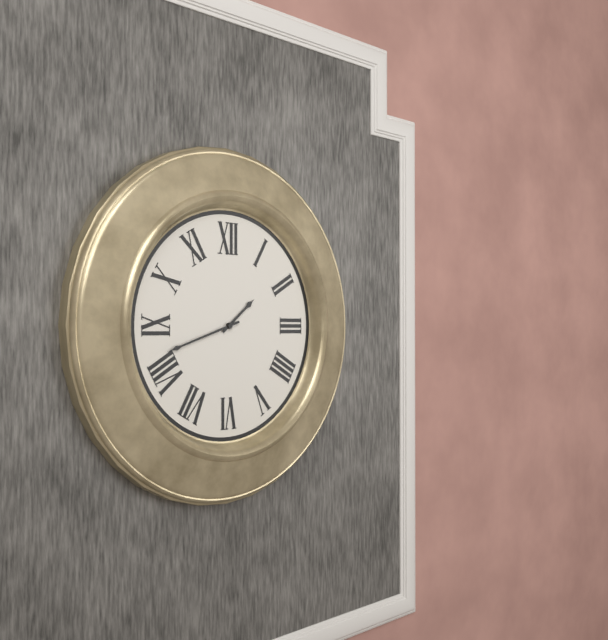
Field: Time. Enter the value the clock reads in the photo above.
1:42
